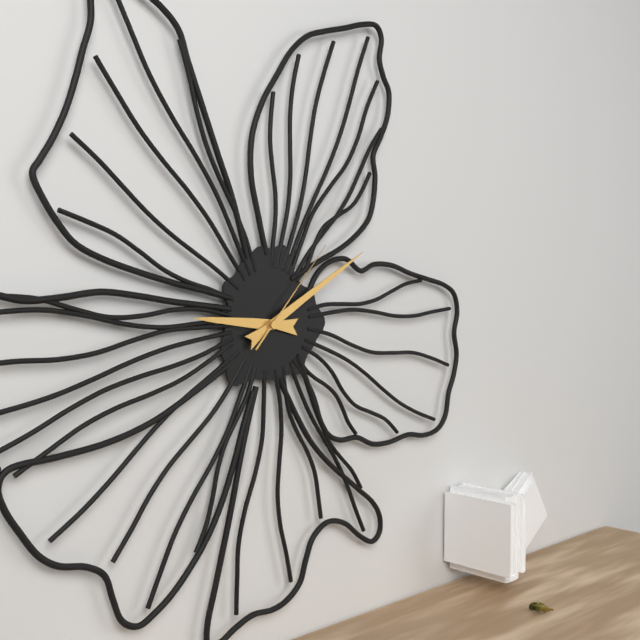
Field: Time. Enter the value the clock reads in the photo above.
9:10:07
